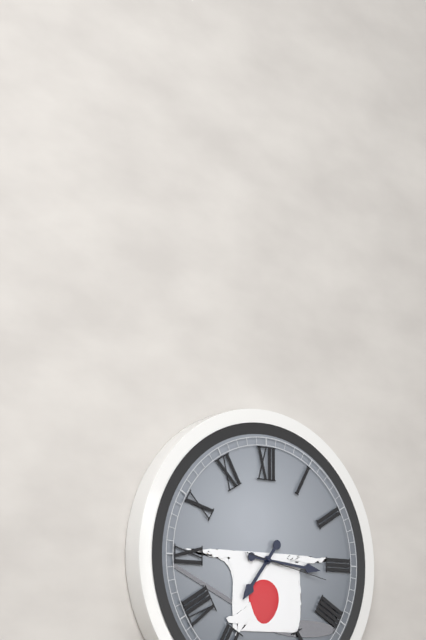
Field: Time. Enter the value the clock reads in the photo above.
7:16:17
